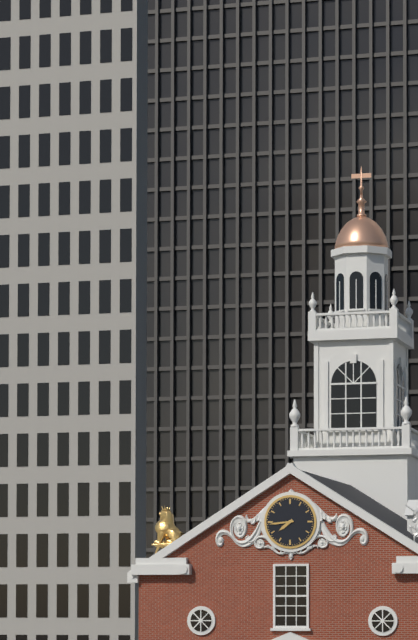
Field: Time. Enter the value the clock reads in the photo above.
7:44
